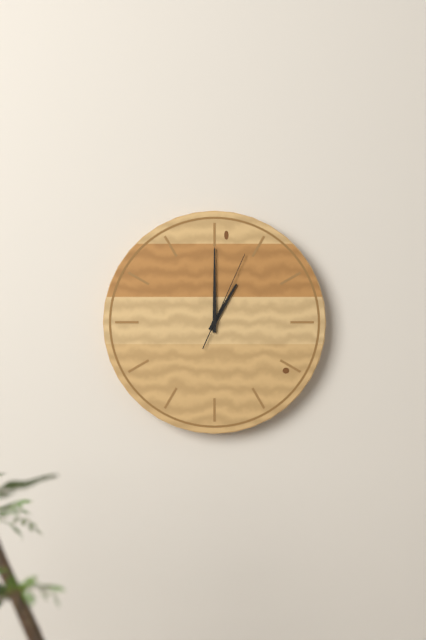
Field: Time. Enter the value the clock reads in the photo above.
1:00:04
